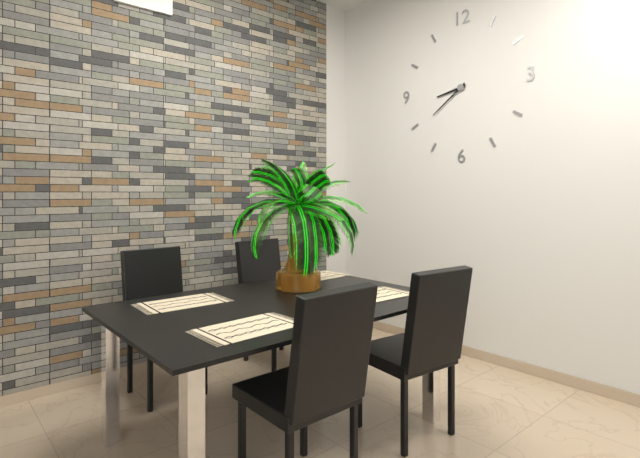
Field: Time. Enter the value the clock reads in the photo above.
8:39
